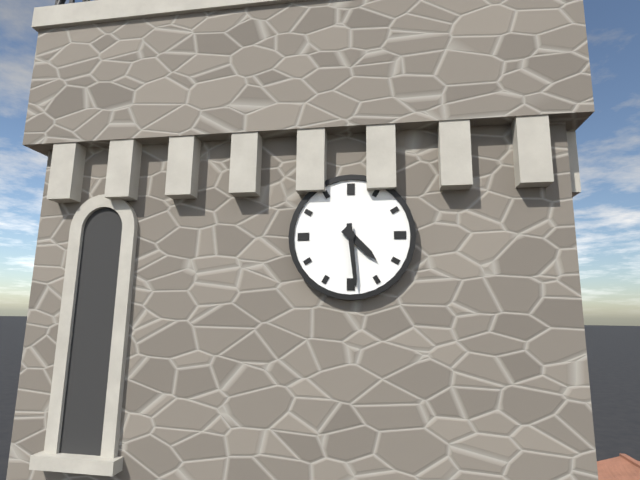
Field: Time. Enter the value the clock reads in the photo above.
4:29
